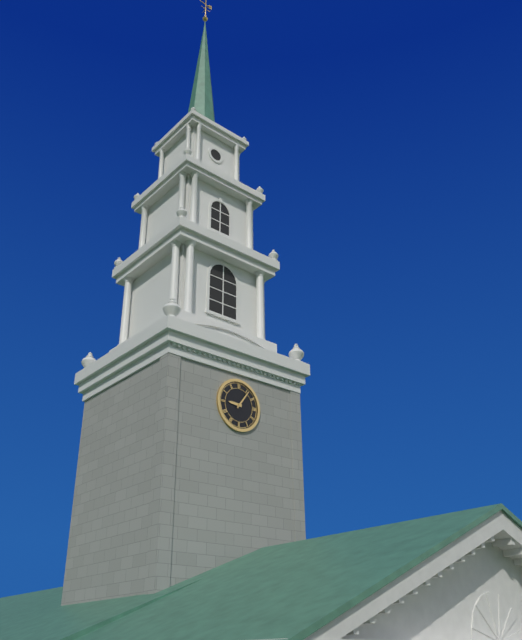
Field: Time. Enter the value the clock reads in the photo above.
9:06
